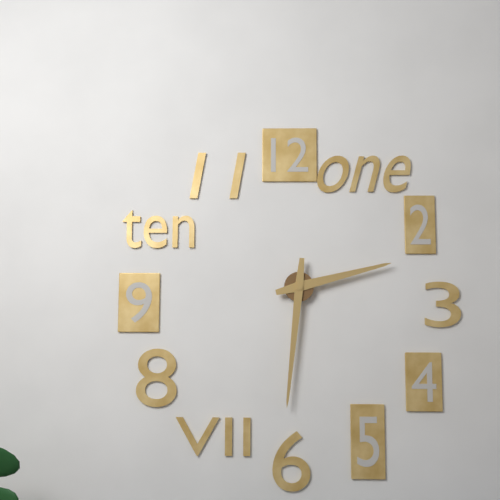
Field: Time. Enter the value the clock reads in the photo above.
2:31
